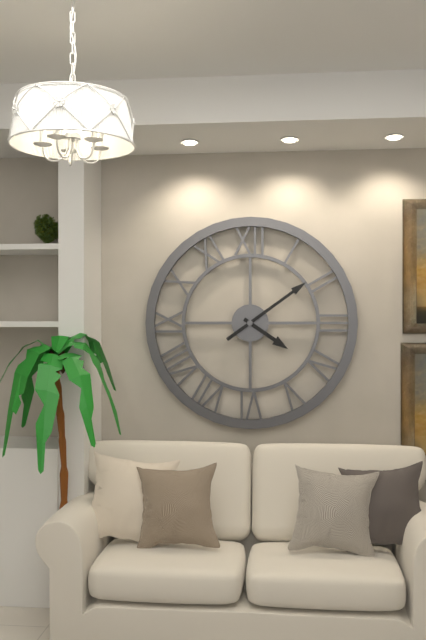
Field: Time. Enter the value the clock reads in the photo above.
4:09
